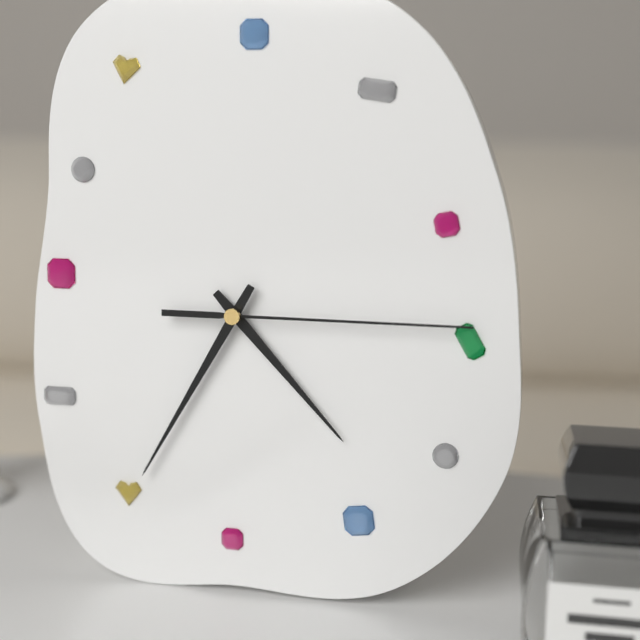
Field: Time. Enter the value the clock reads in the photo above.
4:35:15
